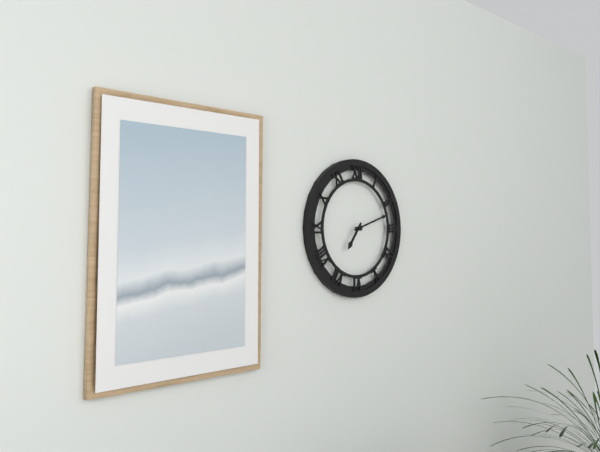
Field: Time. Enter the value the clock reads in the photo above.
7:12
